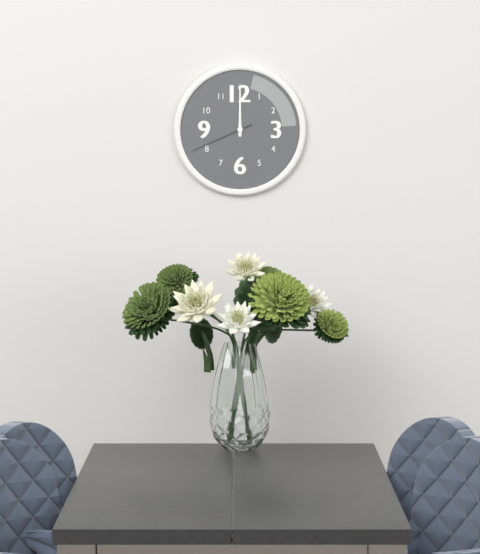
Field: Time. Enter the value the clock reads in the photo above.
12:00:41
